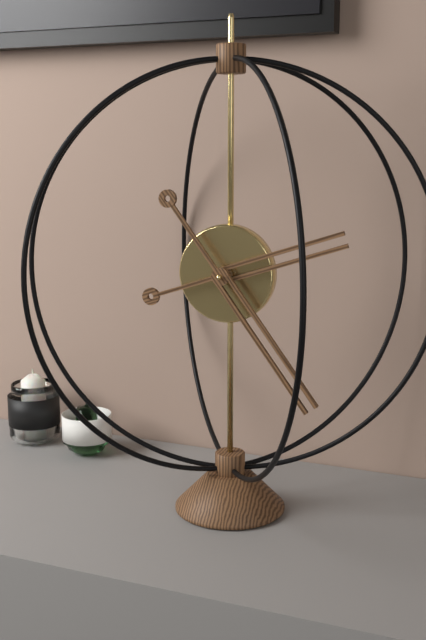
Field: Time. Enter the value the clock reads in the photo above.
2:24
